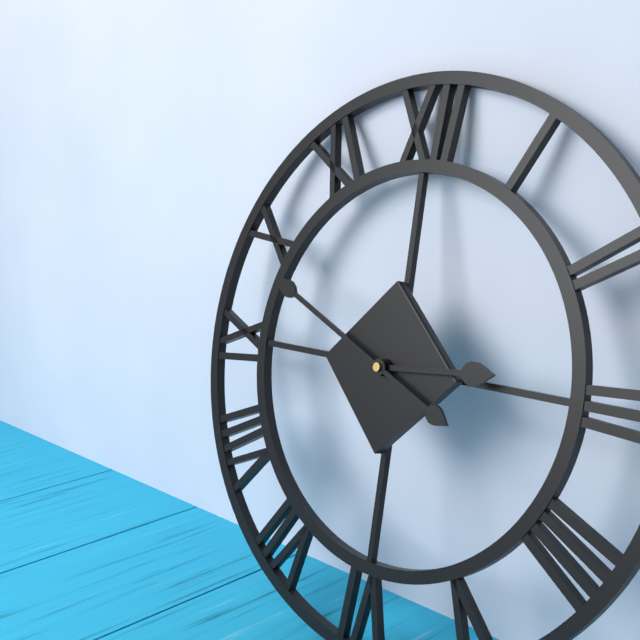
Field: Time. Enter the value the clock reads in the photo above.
2:49
